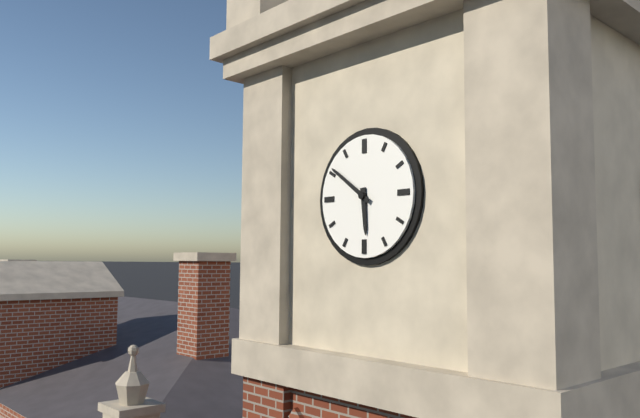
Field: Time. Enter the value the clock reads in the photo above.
5:51
